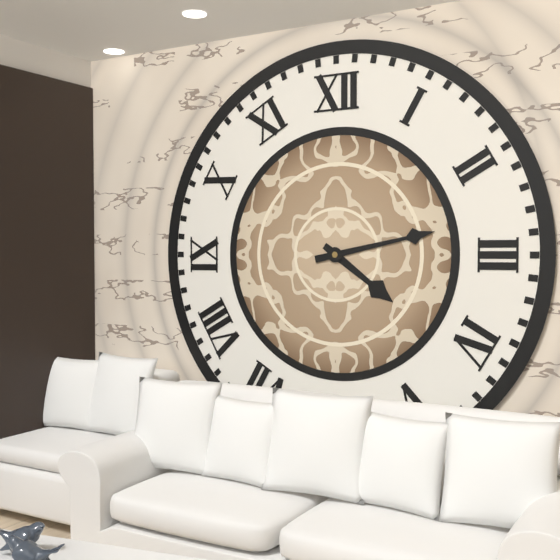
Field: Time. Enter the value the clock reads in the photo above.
4:13
